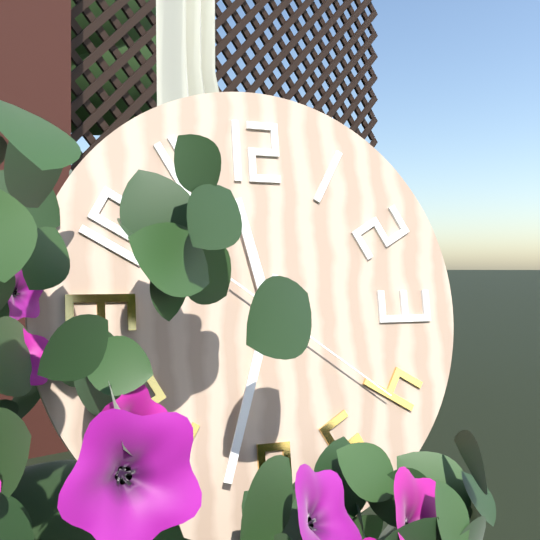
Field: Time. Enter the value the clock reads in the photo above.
11:33:21
